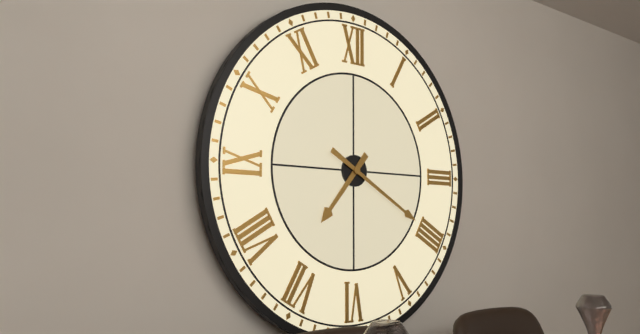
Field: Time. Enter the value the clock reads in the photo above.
7:20
